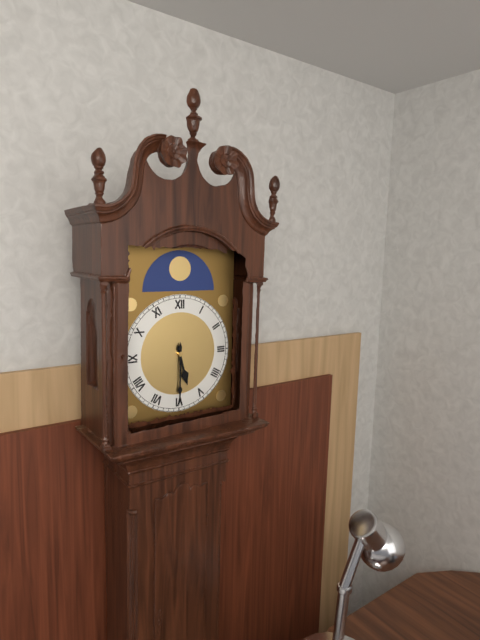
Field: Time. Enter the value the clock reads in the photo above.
5:30
